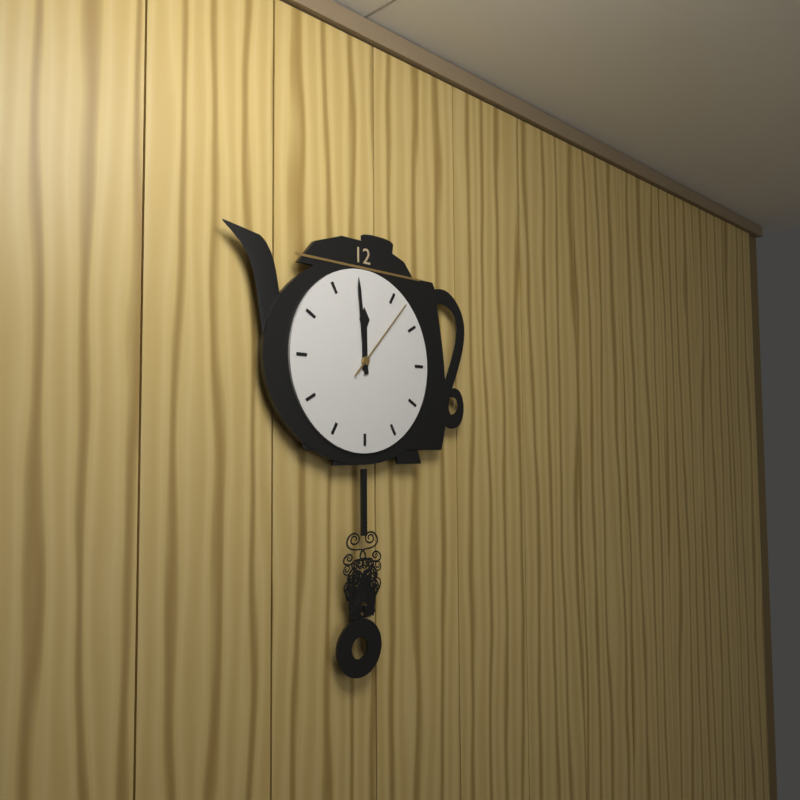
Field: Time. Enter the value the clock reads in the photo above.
11:59:07
